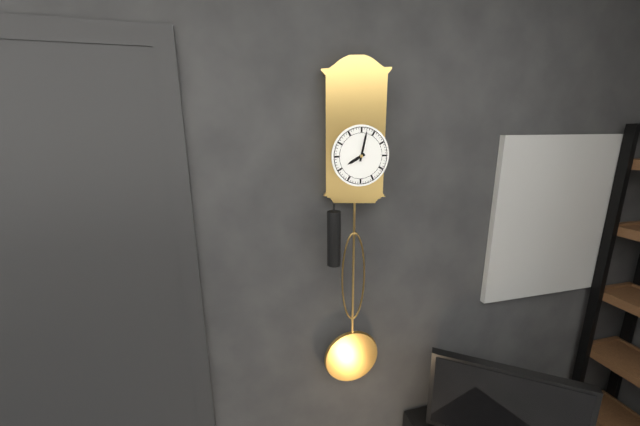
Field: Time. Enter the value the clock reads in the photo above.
8:02
